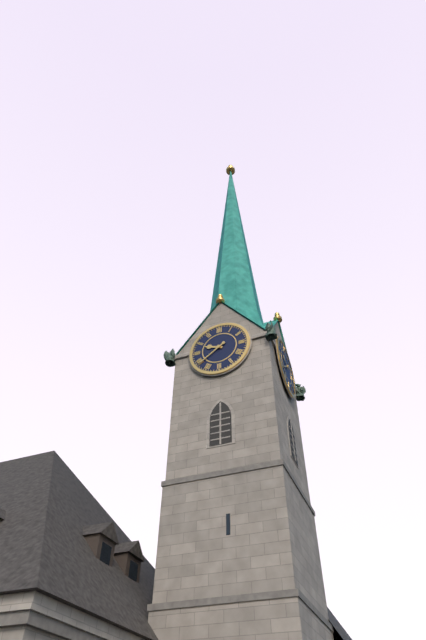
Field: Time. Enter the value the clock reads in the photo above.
9:39
